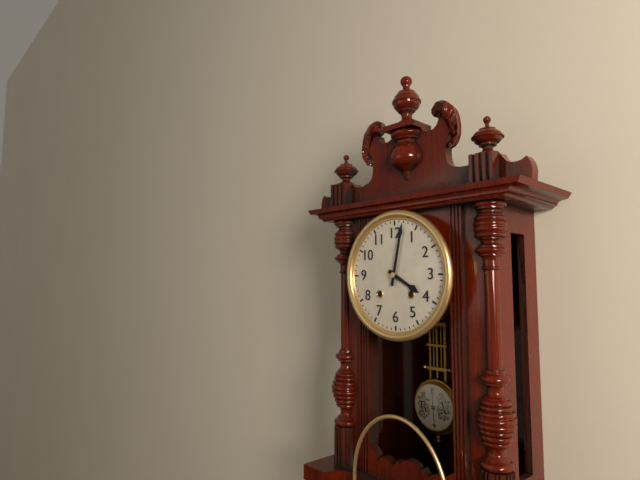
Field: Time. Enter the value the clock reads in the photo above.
4:02
